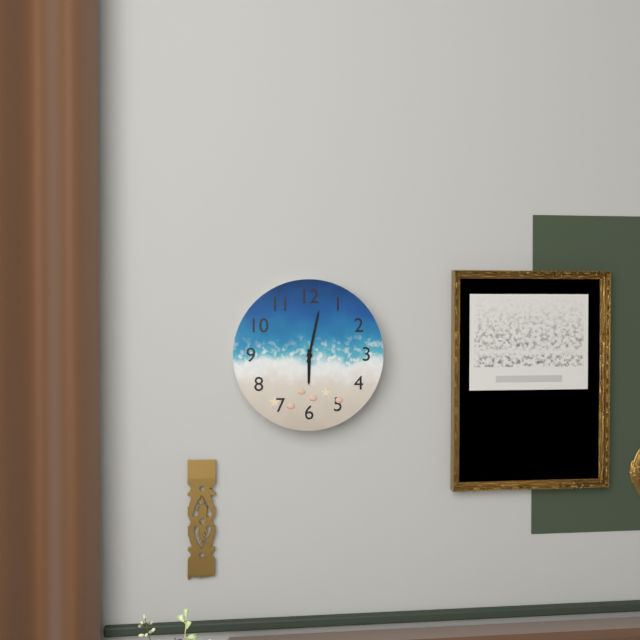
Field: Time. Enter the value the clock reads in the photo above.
6:02
